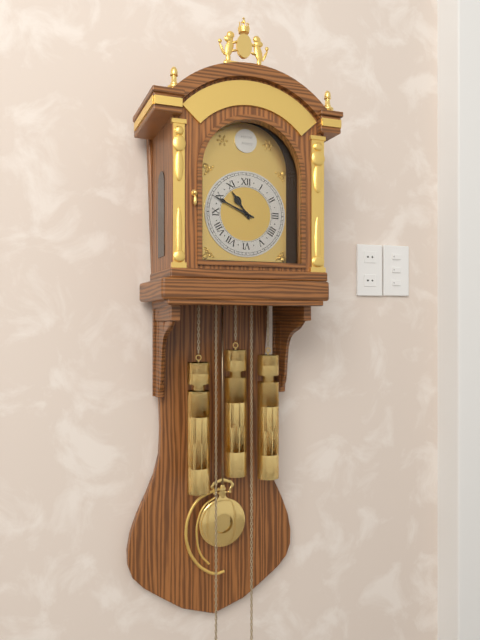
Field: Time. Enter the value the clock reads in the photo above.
10:49
